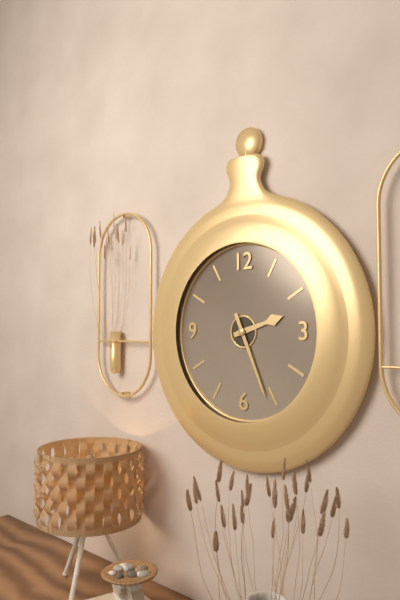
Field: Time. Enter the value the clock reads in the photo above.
2:26
